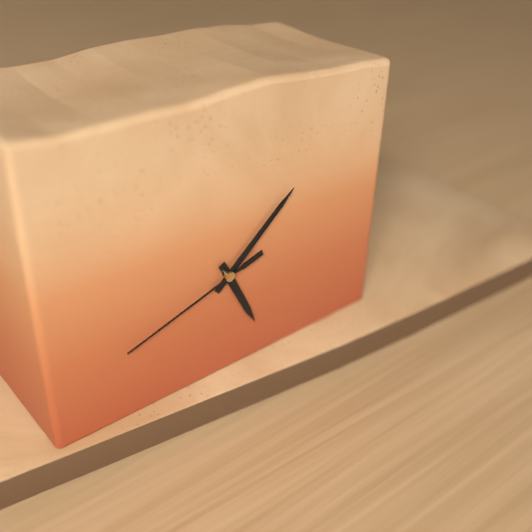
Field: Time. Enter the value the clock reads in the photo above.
5:08:42
